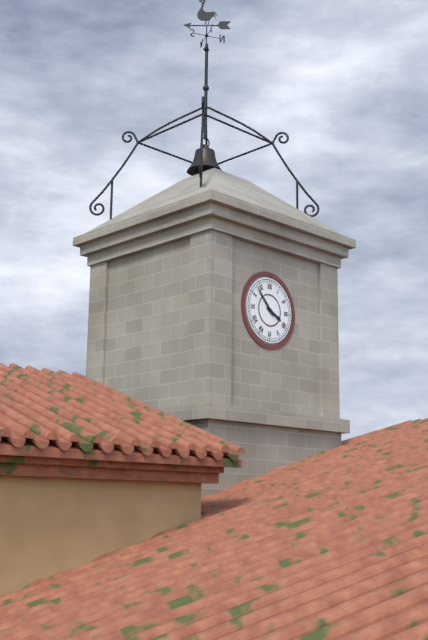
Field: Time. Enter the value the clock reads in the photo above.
3:53
